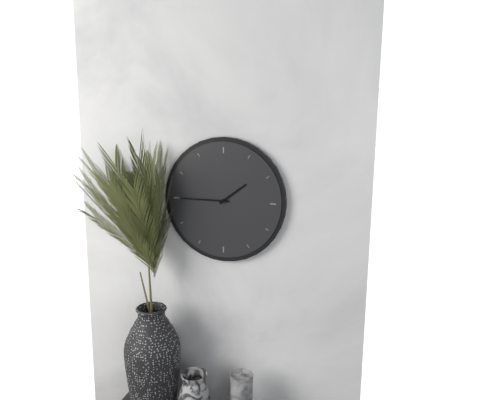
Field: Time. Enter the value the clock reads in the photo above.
1:45
